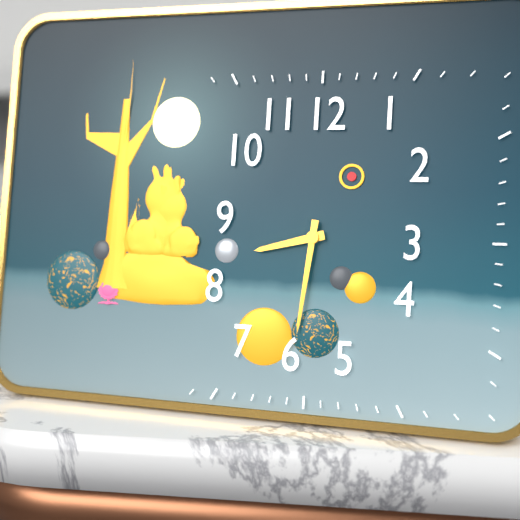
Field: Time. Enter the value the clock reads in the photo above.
8:31
